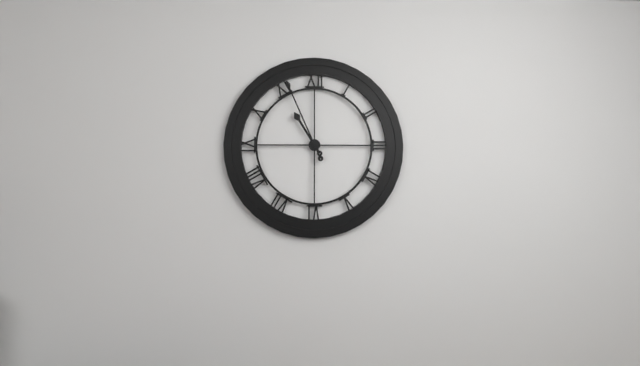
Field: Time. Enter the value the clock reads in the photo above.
10:56
